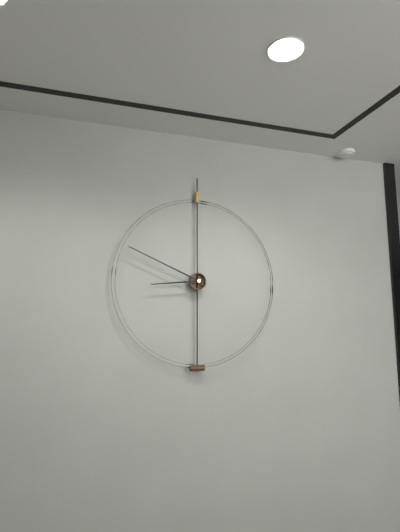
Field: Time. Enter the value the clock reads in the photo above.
8:49
